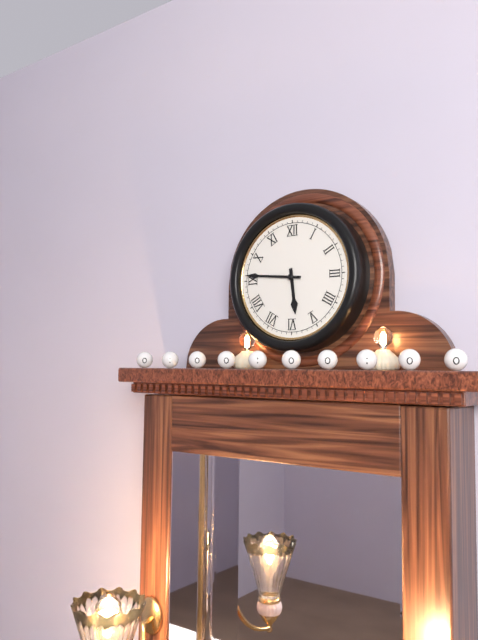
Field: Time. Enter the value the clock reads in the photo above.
5:46
